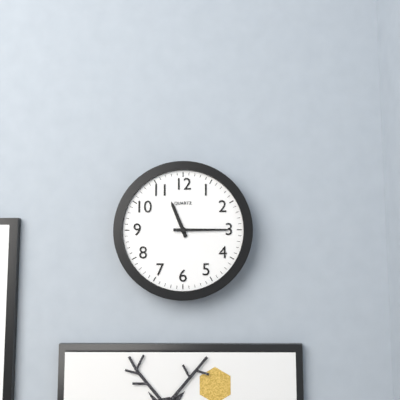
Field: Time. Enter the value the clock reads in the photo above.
11:15
